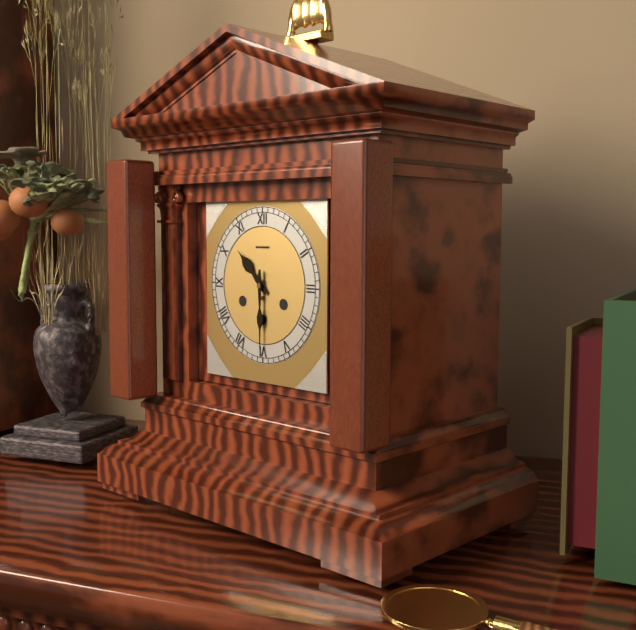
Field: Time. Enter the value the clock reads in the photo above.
10:30
